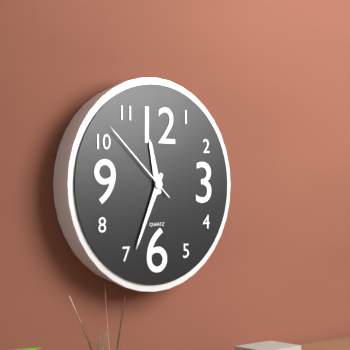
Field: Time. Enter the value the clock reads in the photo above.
11:34:52
